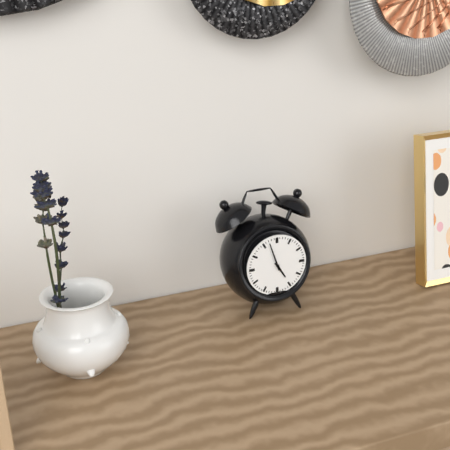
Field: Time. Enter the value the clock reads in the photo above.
4:57
